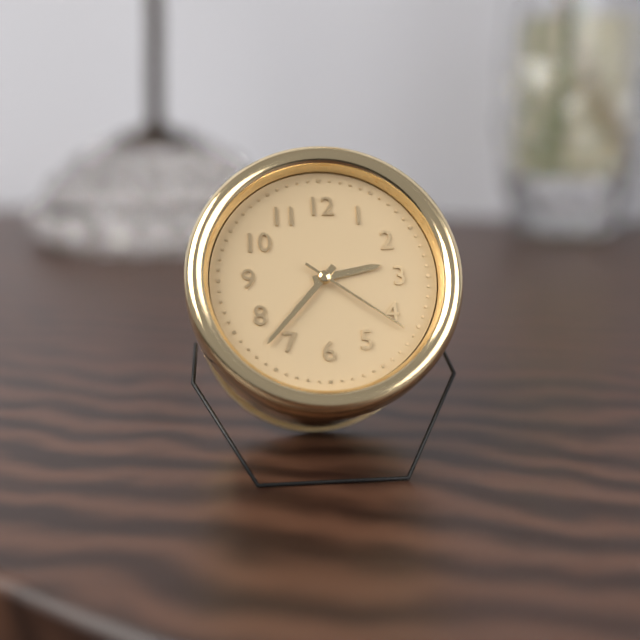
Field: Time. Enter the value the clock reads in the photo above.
2:37:21
